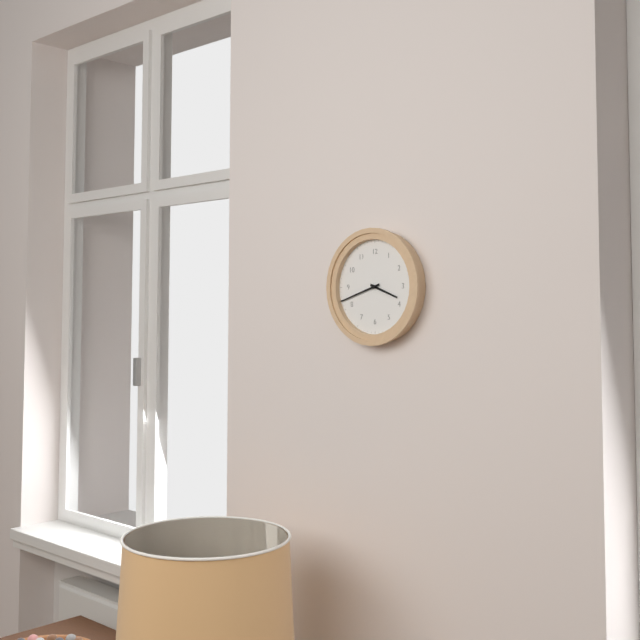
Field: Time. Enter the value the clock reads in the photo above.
3:42
